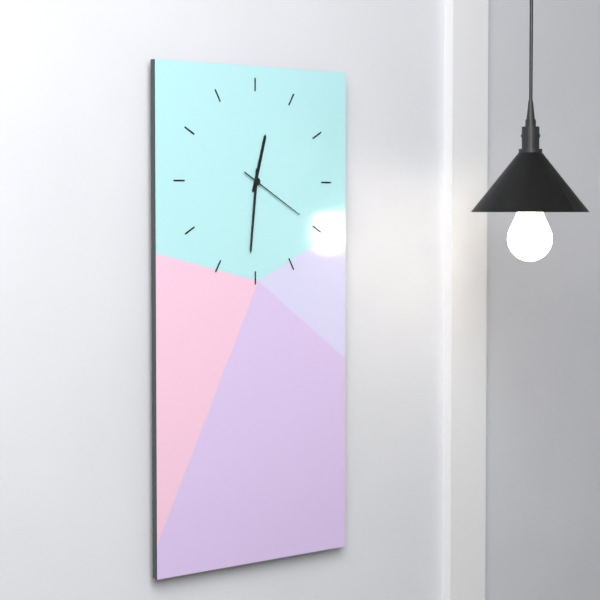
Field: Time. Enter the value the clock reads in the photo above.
12:31:20
